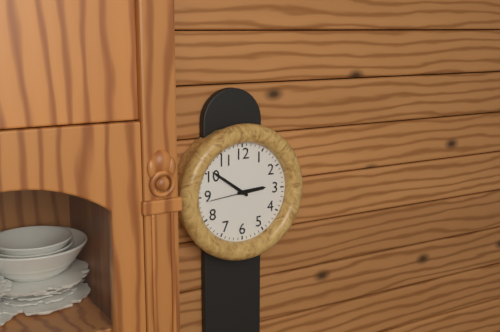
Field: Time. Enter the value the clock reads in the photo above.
2:51
